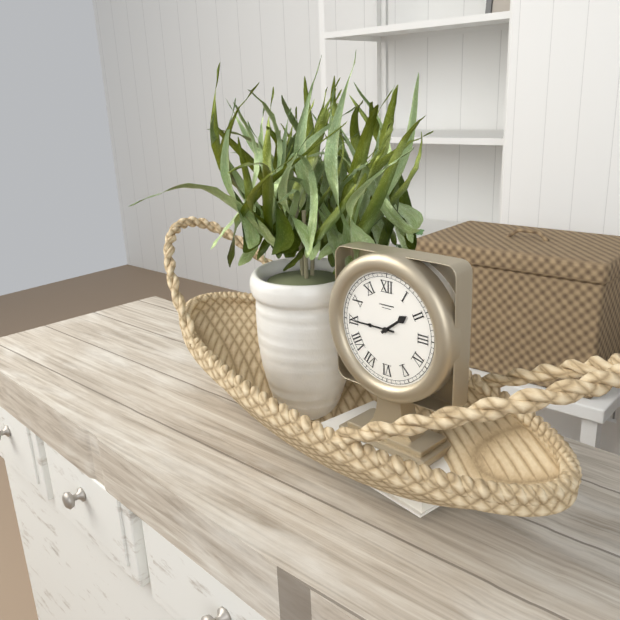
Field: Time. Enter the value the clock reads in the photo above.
1:45
